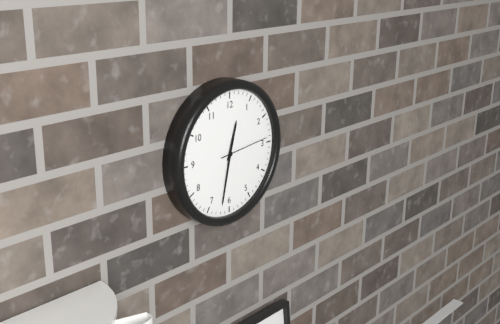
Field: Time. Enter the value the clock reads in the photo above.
12:32:14
